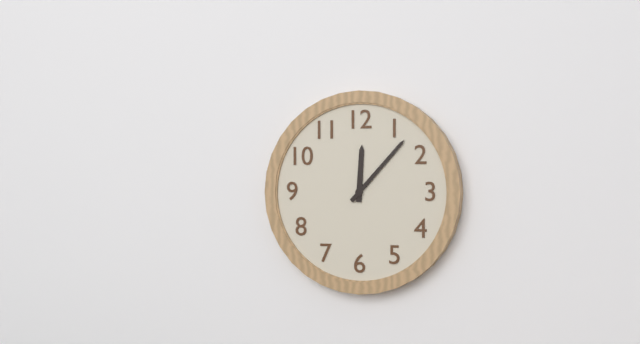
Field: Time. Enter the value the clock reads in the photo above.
12:07
